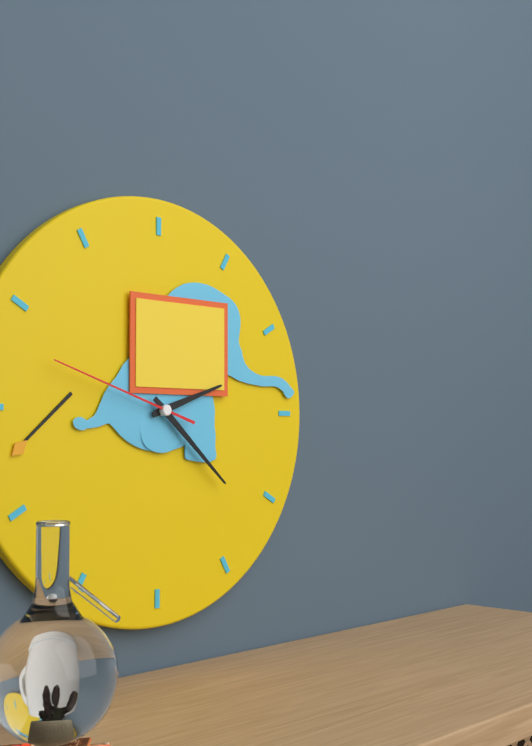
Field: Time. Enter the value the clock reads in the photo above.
2:22:48
